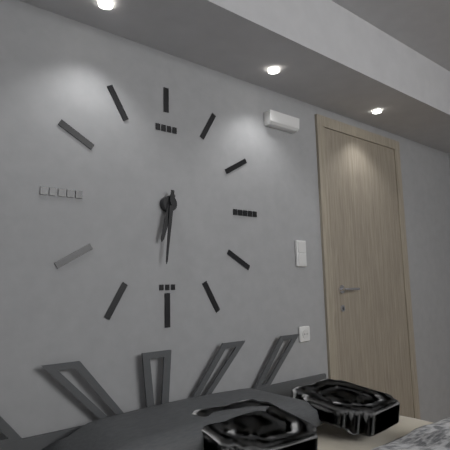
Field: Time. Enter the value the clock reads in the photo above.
6:31
